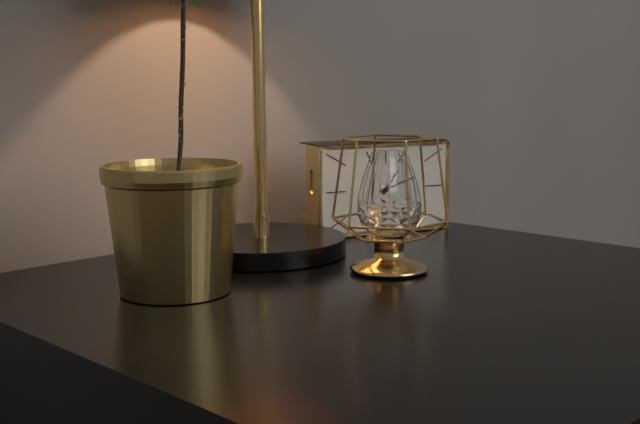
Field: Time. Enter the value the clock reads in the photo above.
1:12
